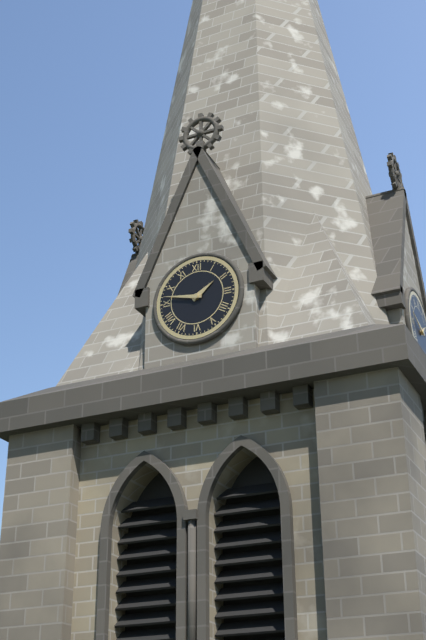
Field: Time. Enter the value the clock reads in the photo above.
1:47
